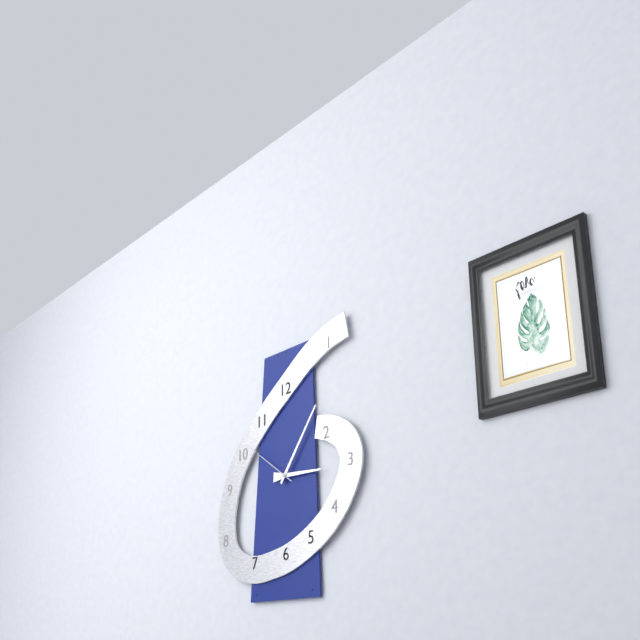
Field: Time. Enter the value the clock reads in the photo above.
3:06:51
